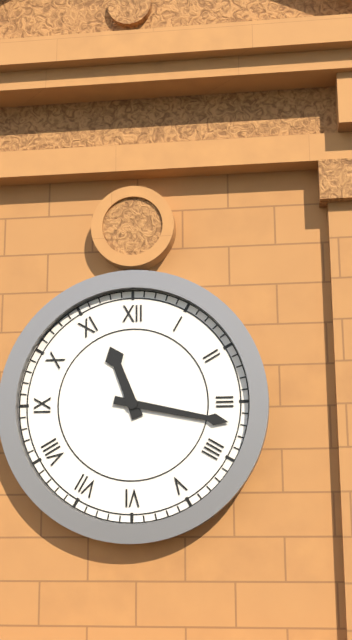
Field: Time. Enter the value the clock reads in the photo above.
11:17
